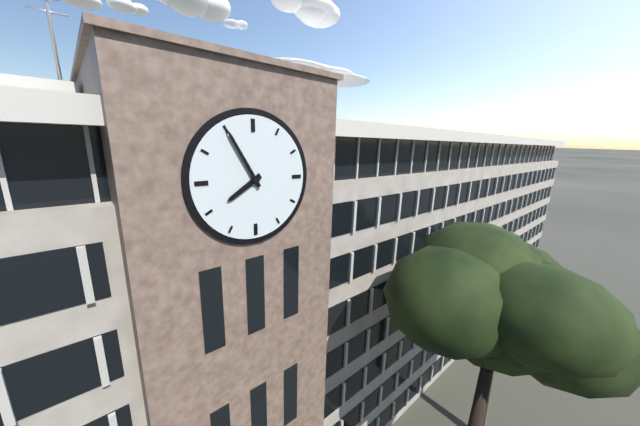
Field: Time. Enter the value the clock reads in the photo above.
7:55
